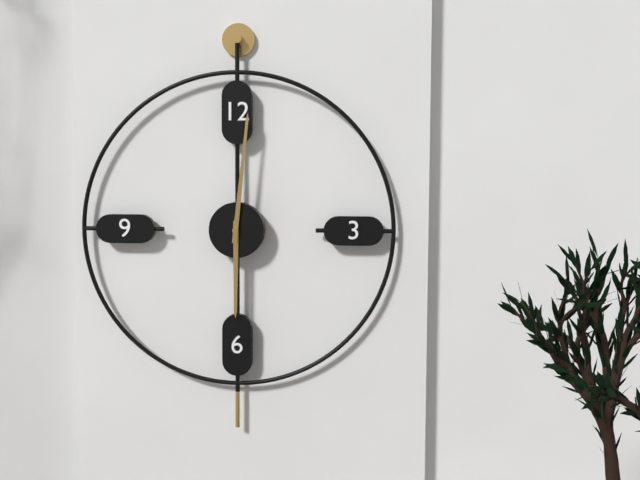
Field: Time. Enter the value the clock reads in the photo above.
6:01
